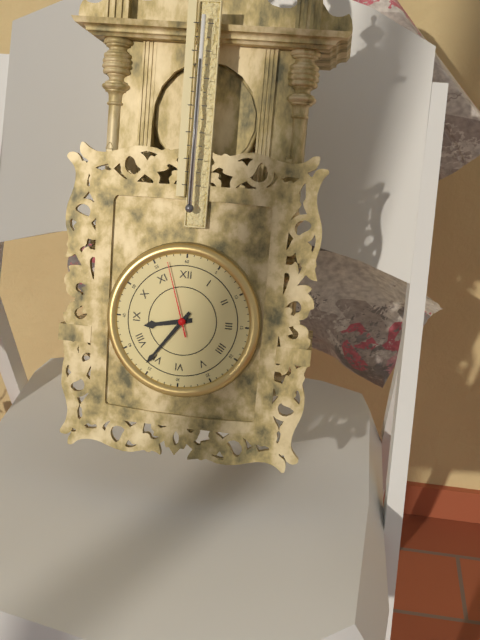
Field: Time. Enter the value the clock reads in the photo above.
8:36:57
